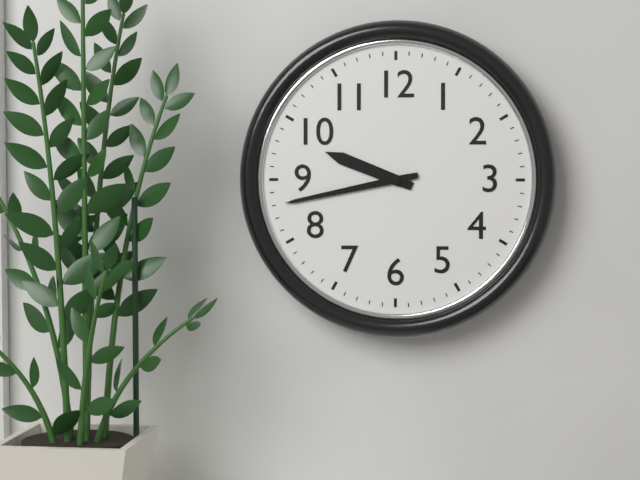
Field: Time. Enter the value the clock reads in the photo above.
9:43
